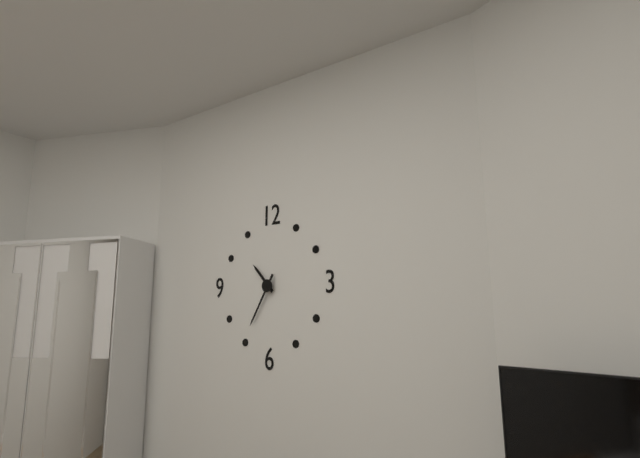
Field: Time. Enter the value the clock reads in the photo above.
10:35
